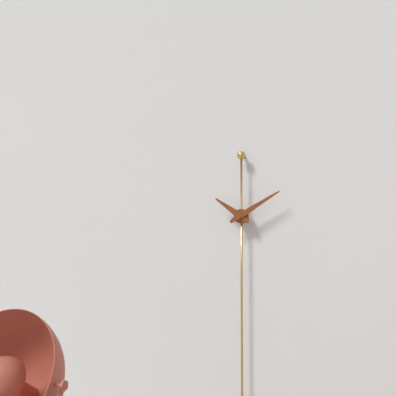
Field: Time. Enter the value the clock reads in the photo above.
10:10
